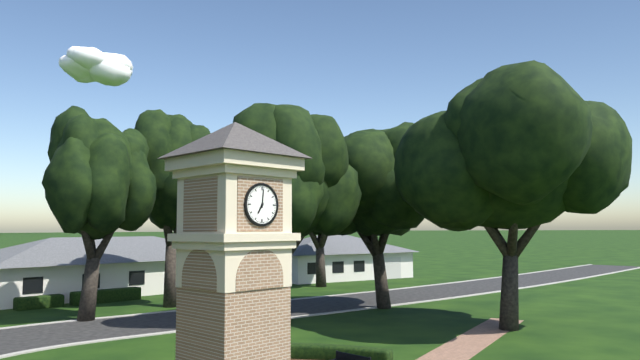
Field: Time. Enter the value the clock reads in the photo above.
7:01
